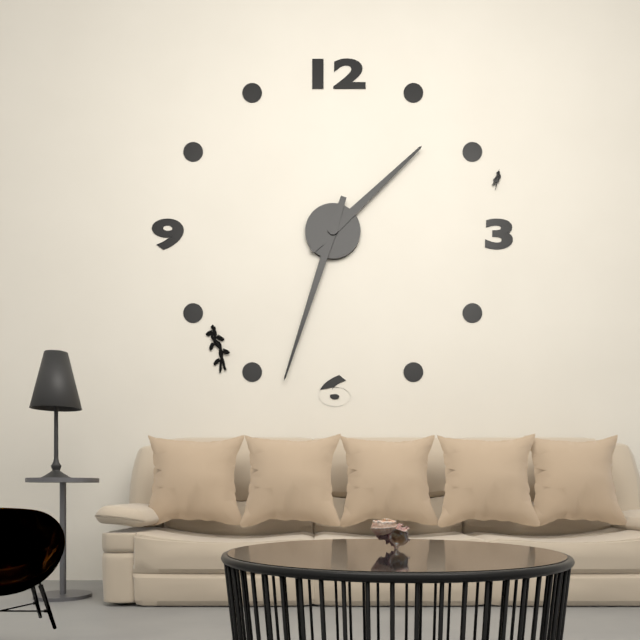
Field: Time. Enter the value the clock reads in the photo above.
1:33
